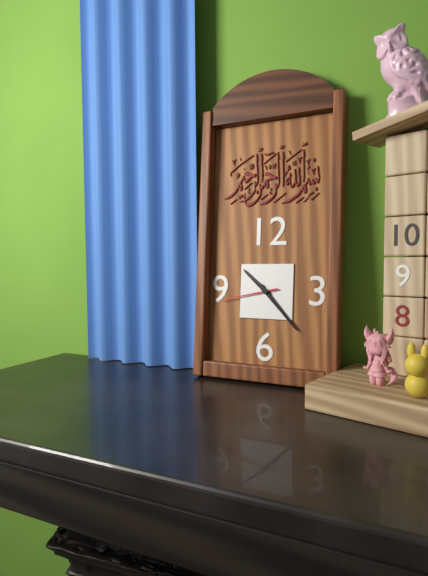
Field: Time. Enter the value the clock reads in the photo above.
10:23:43
